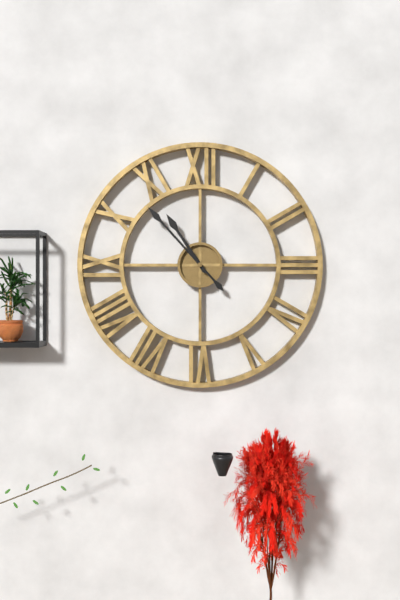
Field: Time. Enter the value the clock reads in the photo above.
10:53
